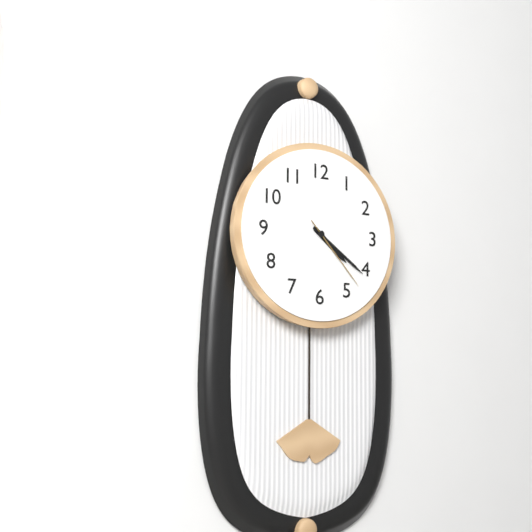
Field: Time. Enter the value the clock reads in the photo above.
4:21:23
